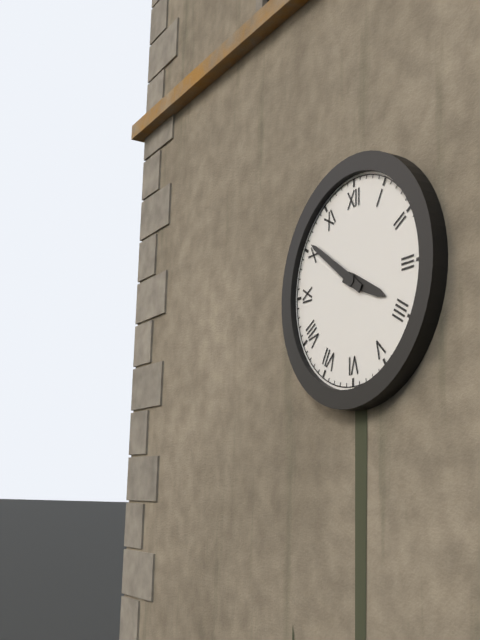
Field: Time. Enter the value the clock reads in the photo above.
3:51
